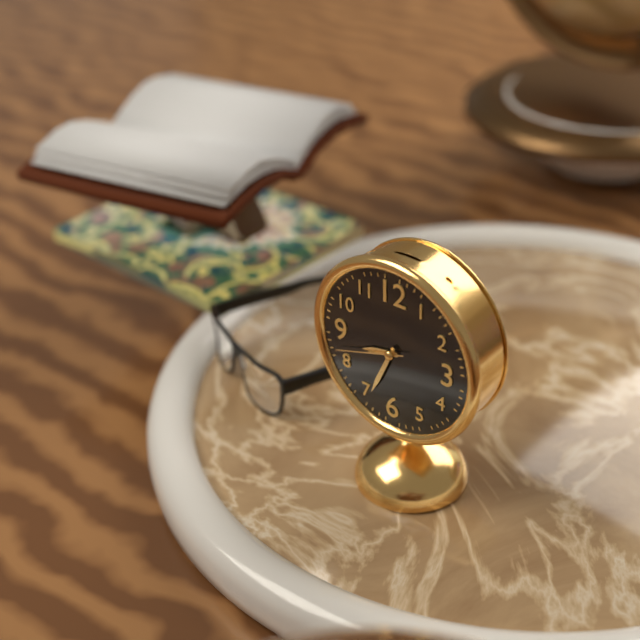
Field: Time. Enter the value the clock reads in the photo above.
8:34:42
